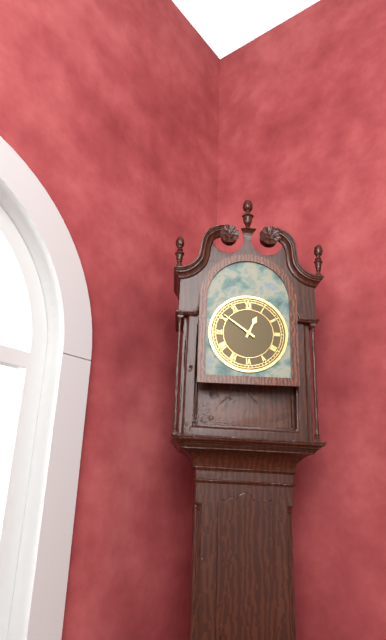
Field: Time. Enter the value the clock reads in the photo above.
12:51
